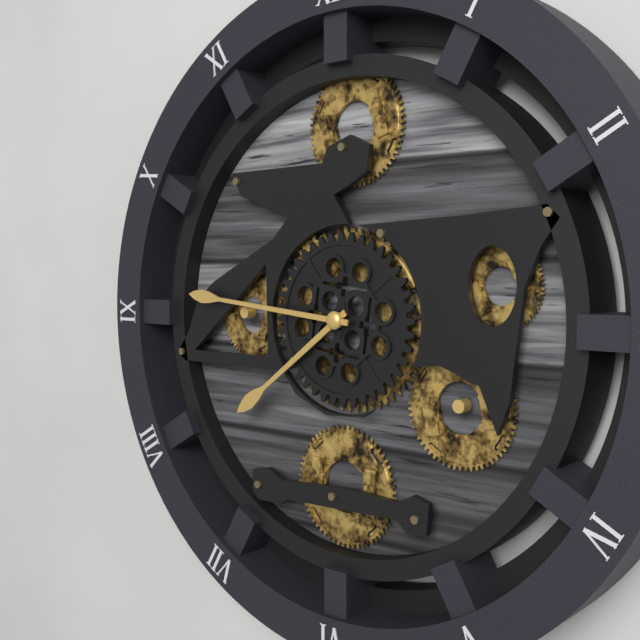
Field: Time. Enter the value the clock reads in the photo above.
7:46
